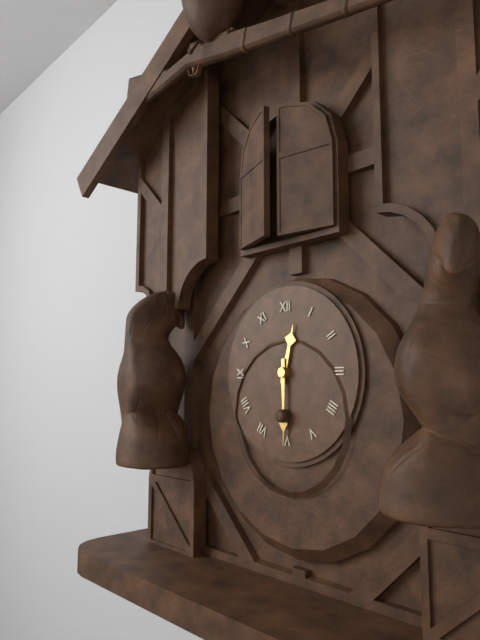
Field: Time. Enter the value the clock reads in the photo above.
12:30
